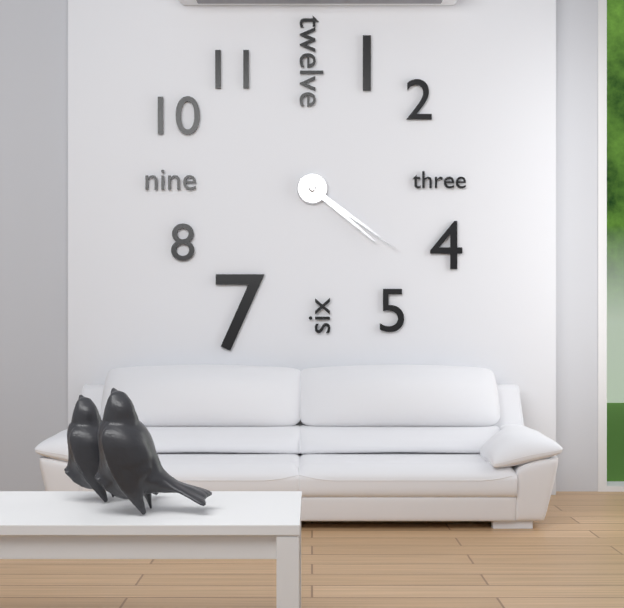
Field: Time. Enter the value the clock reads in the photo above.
4:21
